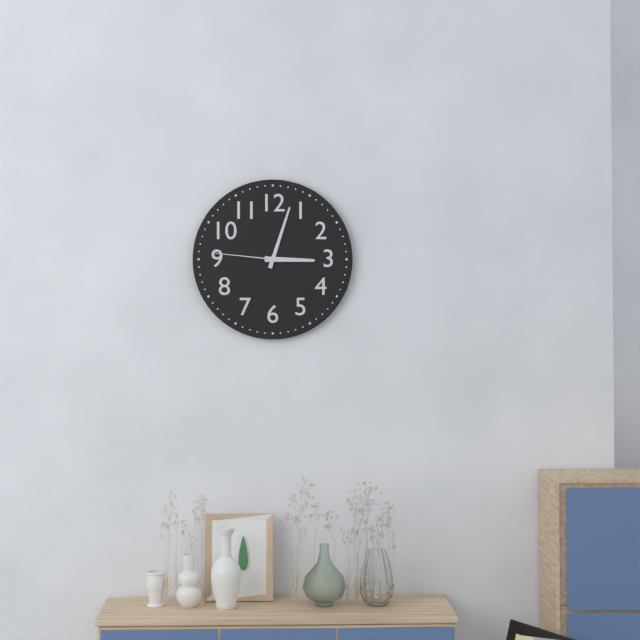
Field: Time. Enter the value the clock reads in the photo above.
3:03:46
